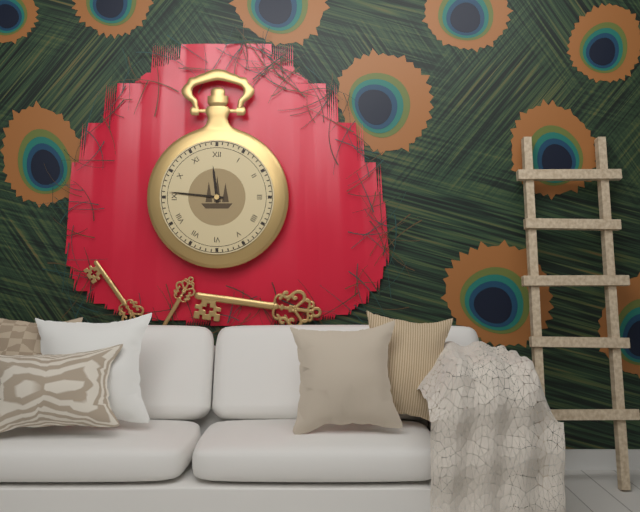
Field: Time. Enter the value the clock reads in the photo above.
11:46
